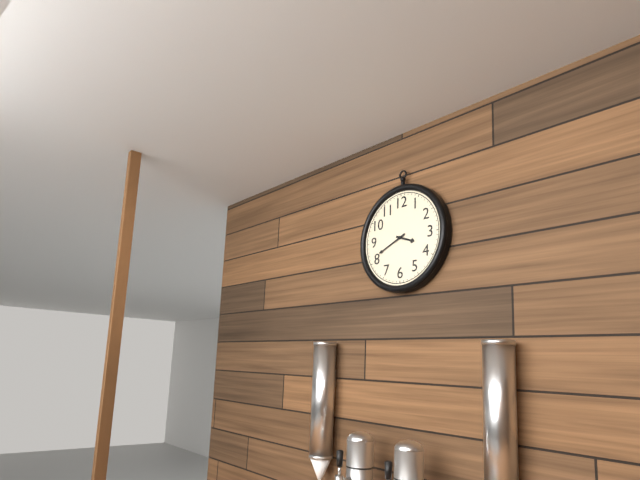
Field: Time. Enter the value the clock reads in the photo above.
3:41
